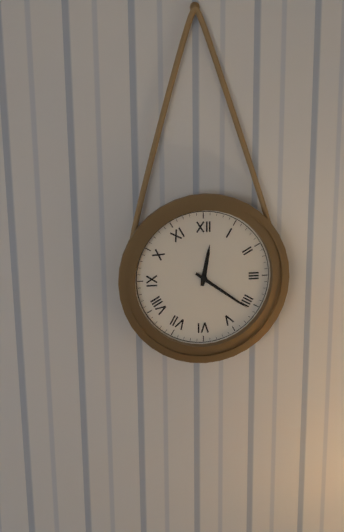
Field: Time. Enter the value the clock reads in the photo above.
12:21
